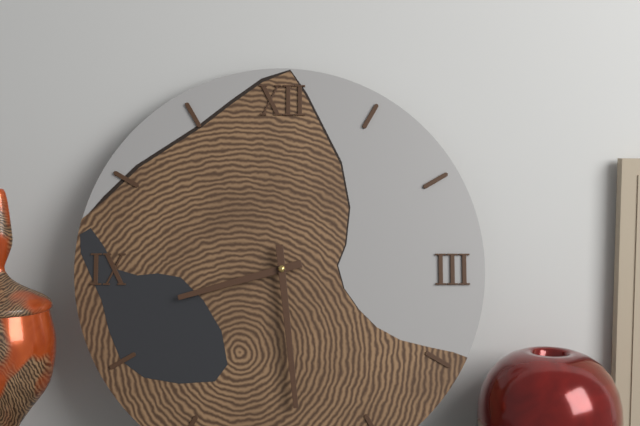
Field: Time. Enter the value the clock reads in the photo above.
8:29
